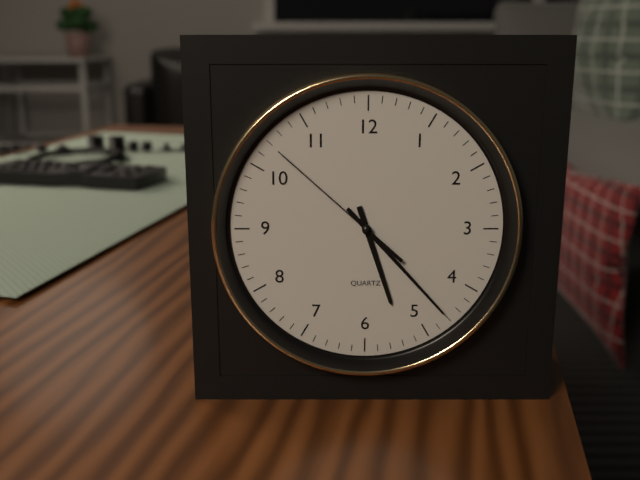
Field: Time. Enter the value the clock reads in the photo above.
5:23:52
